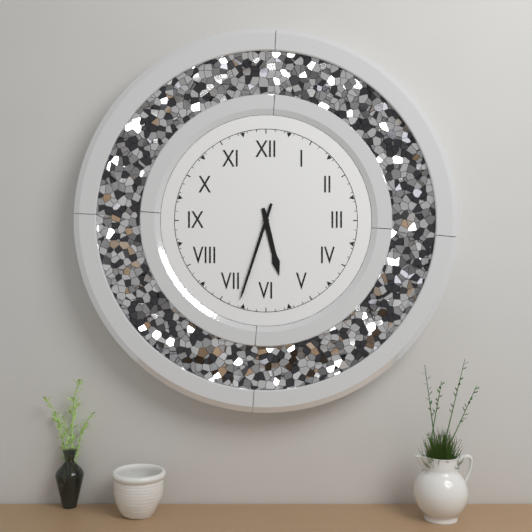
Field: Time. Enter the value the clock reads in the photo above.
5:33
